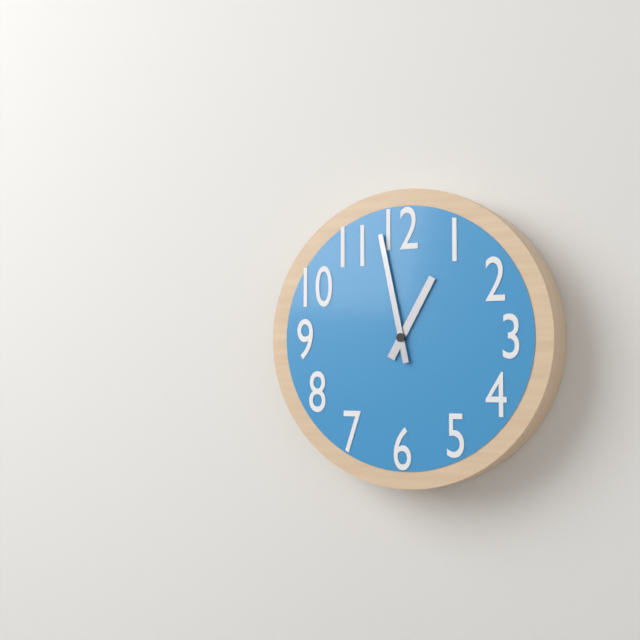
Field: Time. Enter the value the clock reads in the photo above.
12:58
